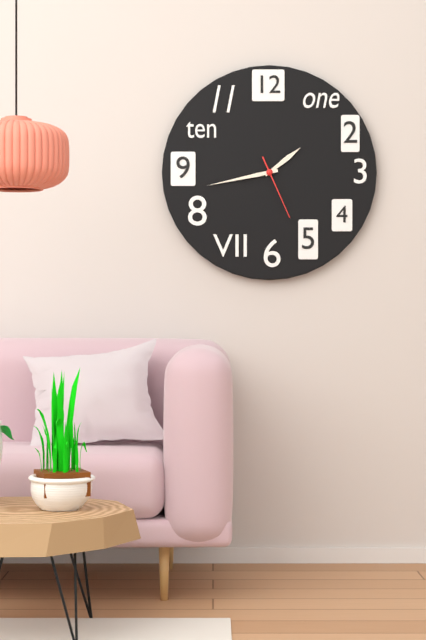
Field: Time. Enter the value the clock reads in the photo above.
1:43:26
